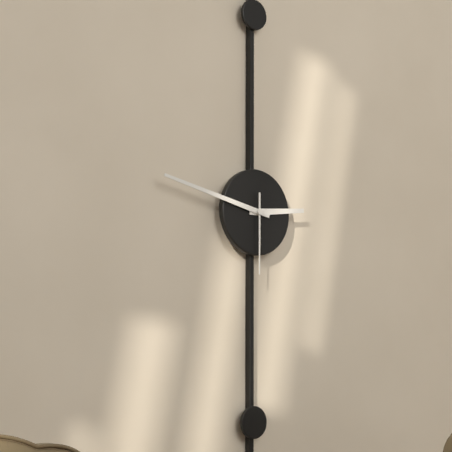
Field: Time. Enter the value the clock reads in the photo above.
2:47:30
